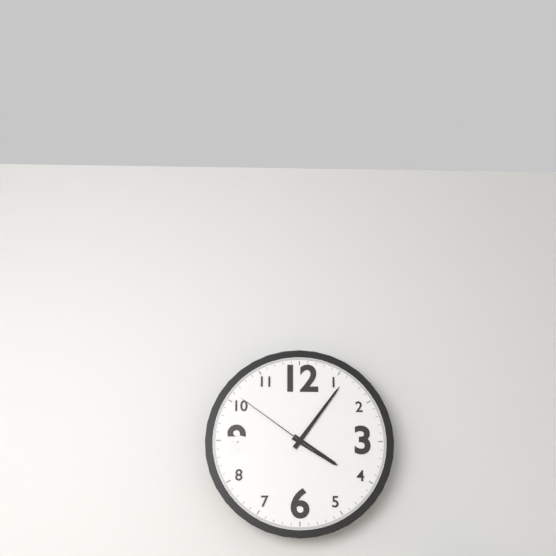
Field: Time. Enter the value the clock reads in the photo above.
4:06:51
